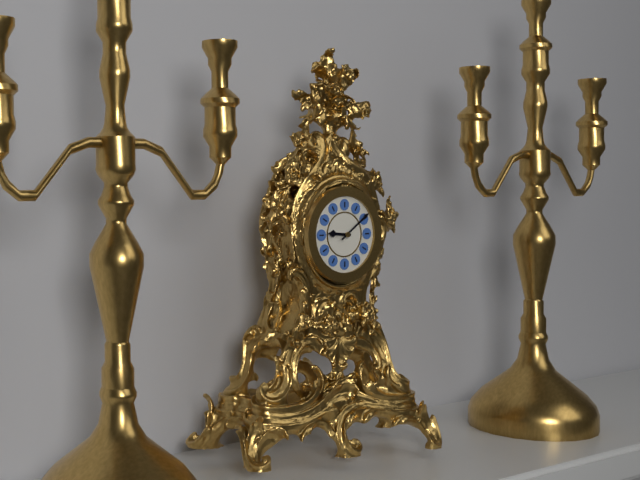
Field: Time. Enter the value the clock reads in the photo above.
9:09
